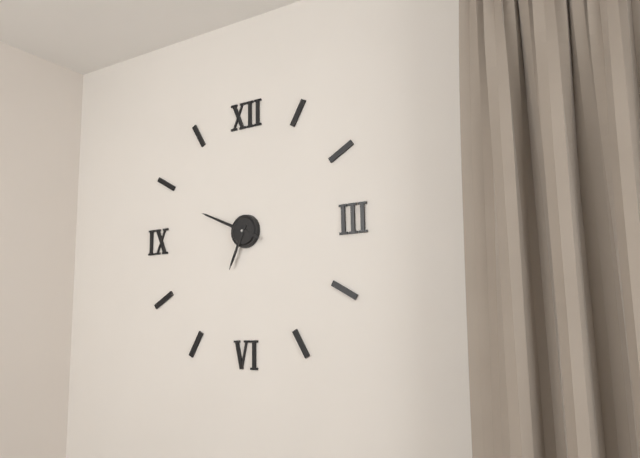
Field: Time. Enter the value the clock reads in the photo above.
6:49
